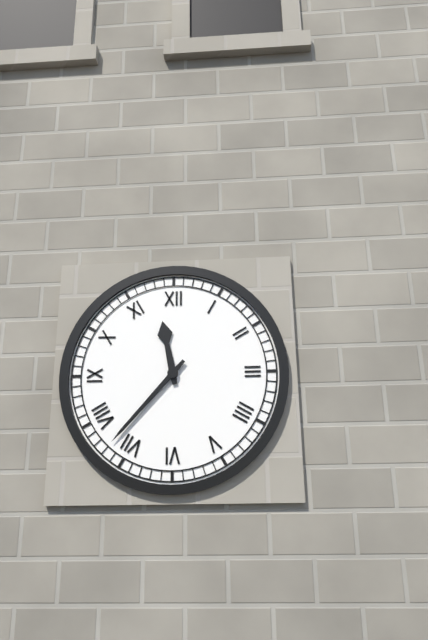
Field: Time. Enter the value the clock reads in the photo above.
11:37
